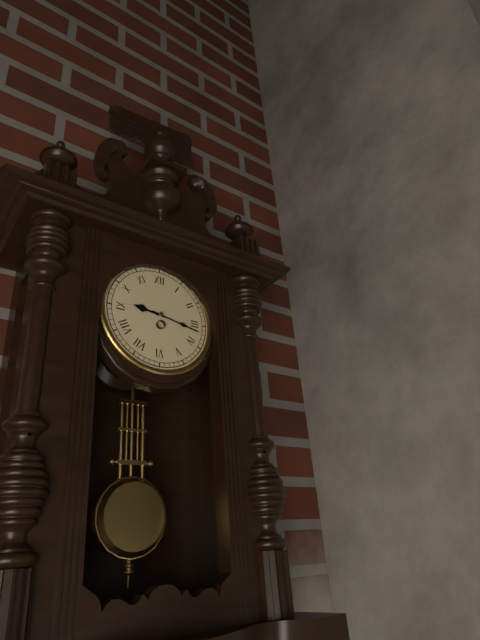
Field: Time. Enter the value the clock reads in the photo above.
9:17
